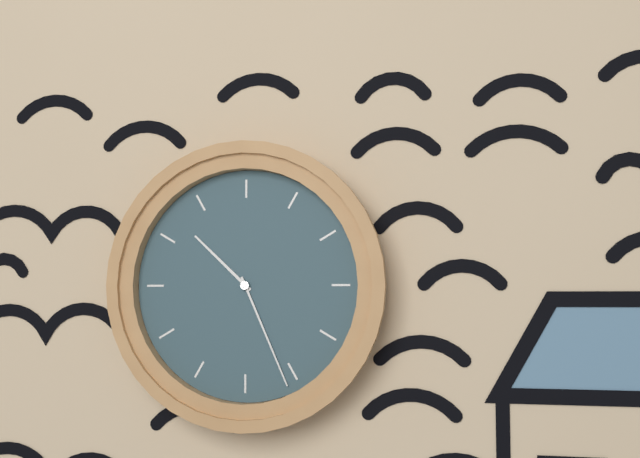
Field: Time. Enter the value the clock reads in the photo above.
10:26
